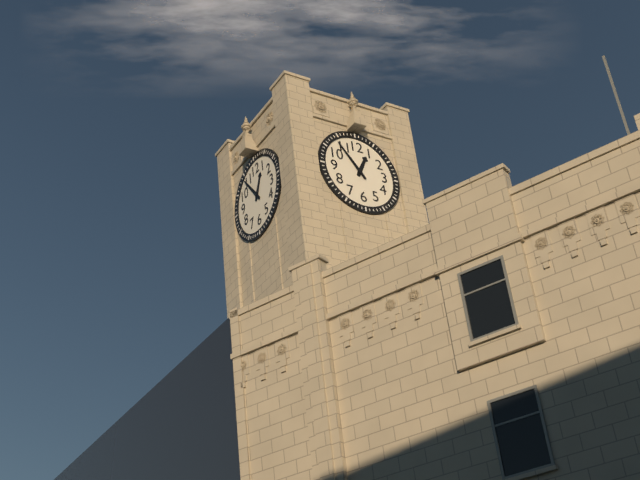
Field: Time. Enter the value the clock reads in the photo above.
12:54
